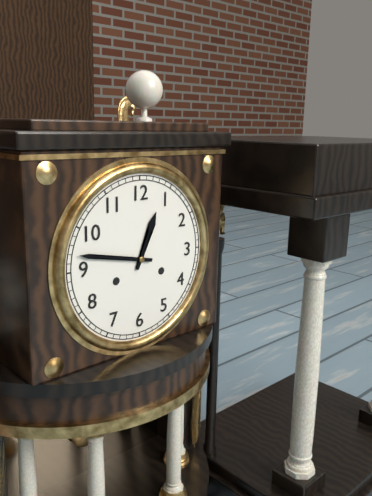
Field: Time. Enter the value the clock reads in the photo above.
12:47
